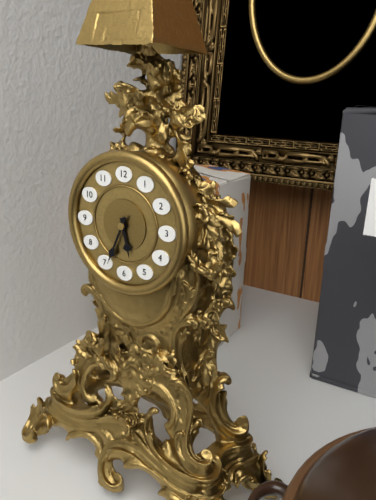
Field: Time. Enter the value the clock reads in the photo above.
5:34
